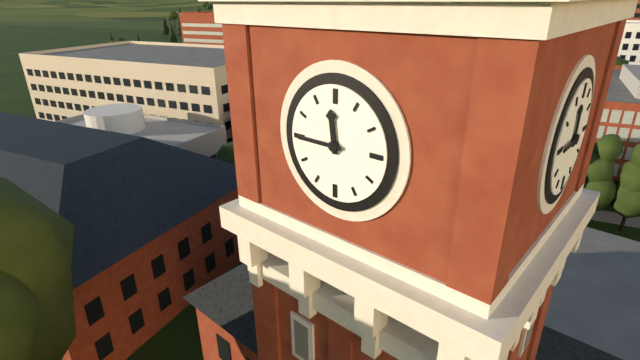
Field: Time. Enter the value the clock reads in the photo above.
11:45
